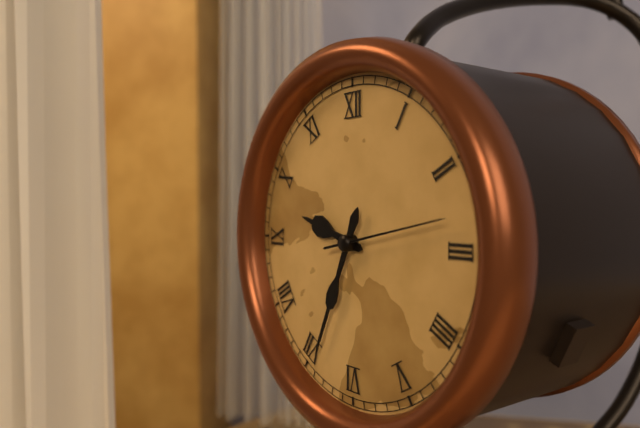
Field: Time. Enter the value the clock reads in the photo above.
9:34:13
